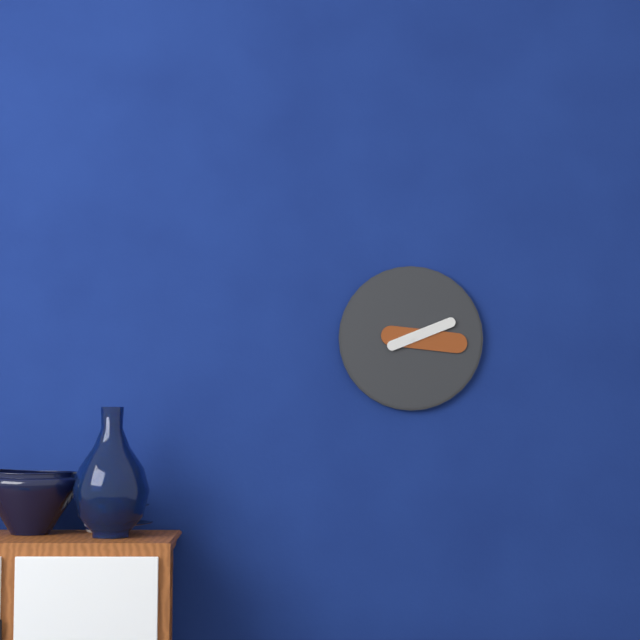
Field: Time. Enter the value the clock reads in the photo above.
2:16
